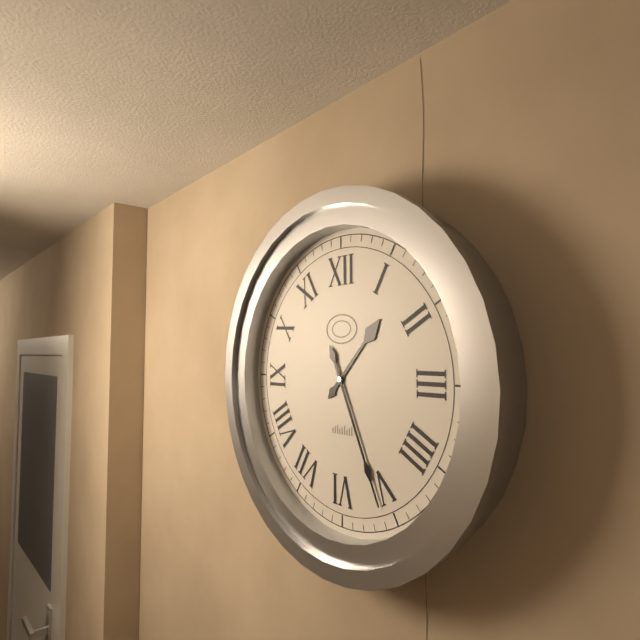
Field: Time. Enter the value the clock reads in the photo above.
1:26
